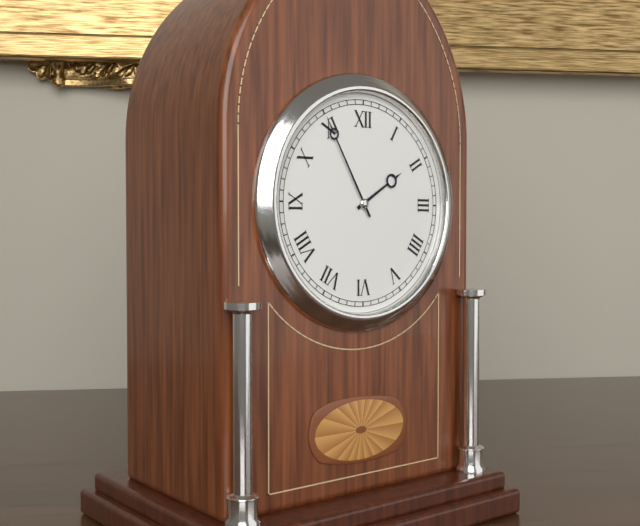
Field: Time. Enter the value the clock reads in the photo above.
1:55
